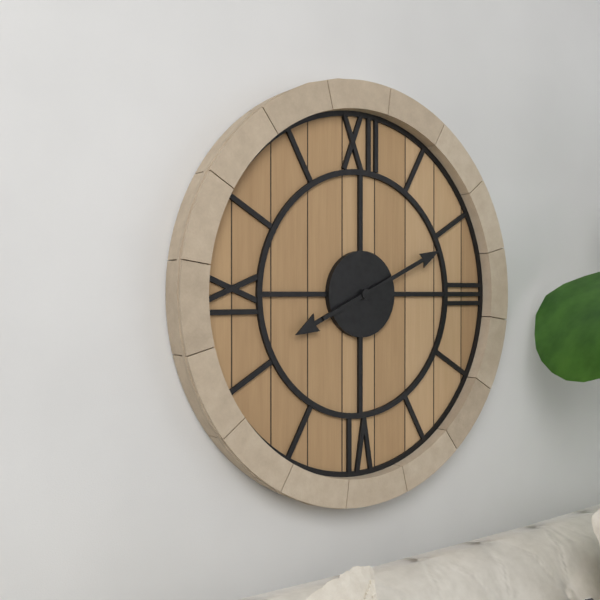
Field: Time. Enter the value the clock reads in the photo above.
8:11
